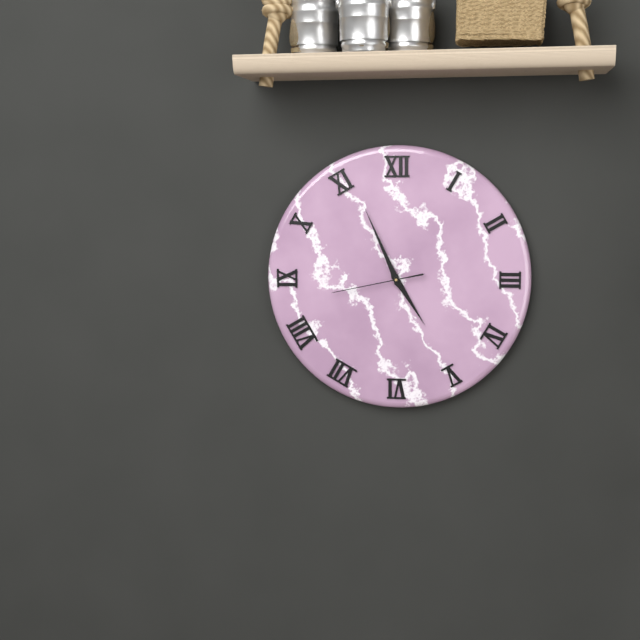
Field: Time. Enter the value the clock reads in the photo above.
4:56:43
